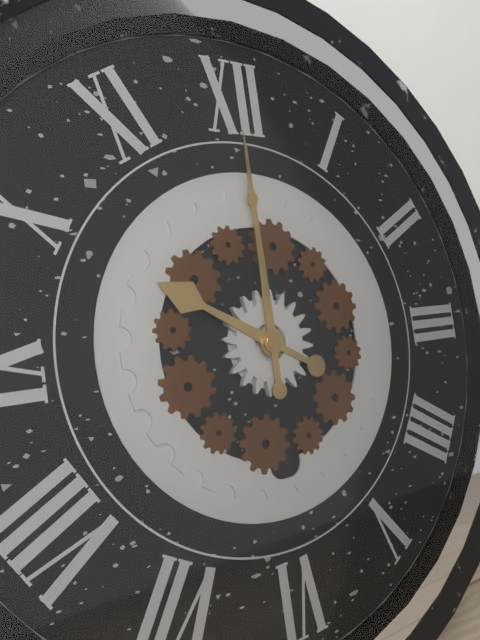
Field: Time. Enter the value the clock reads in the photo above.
10:00
